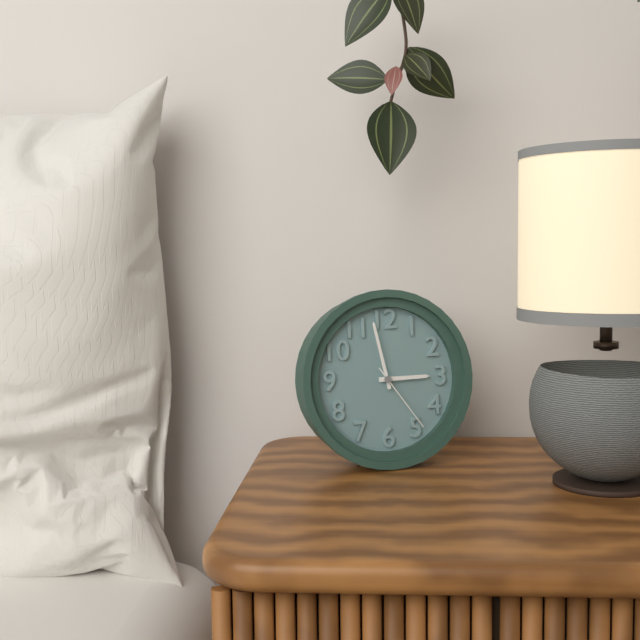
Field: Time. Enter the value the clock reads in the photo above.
2:58:24
